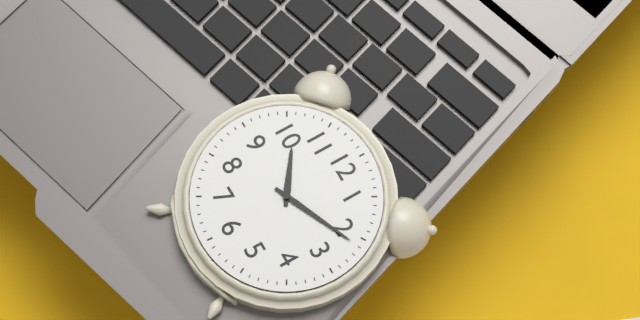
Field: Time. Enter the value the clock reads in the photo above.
10:11
